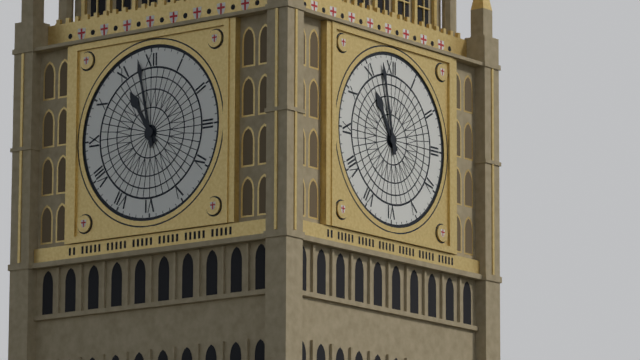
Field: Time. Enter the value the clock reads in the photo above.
10:58
